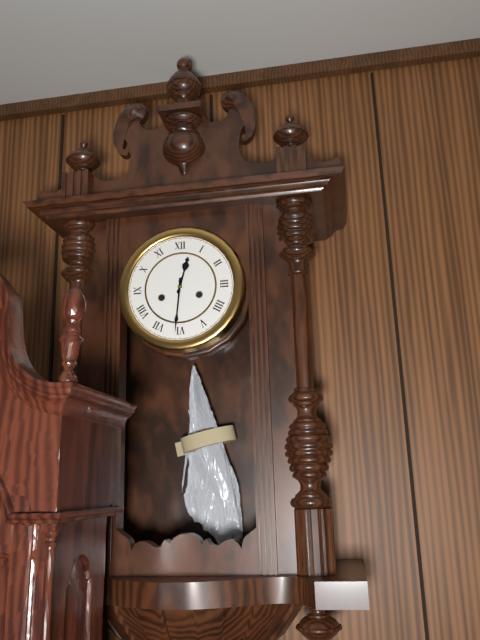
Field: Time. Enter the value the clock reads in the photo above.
12:31
